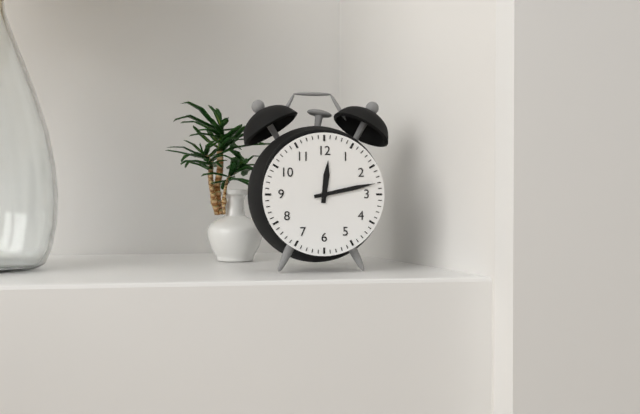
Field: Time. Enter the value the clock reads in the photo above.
12:13
